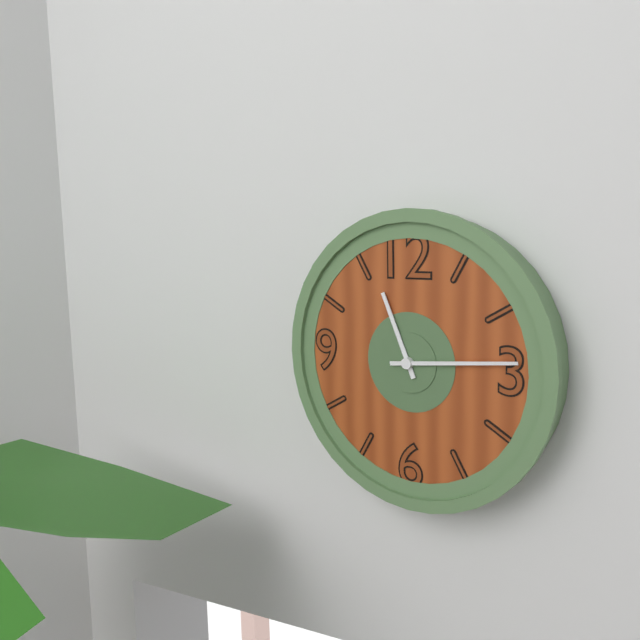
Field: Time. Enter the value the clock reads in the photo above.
11:14
